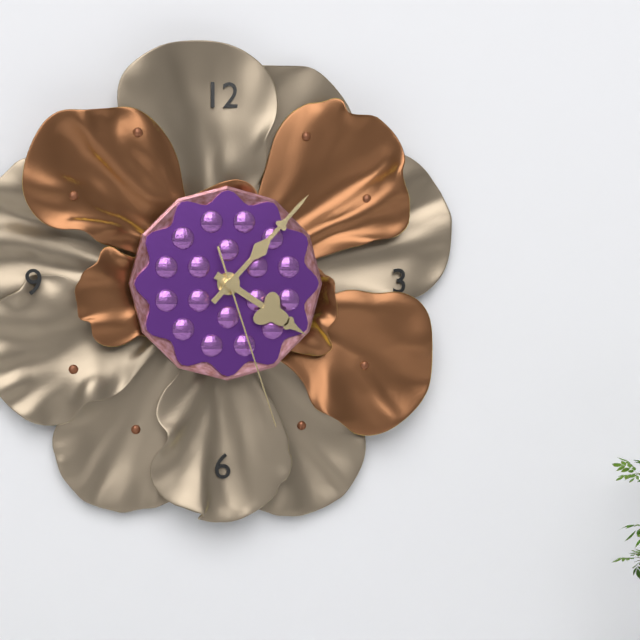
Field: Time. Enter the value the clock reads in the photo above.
4:07:27
